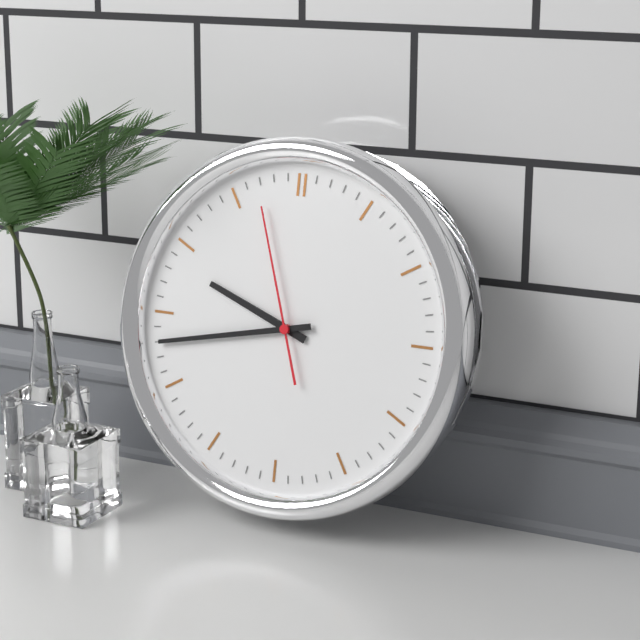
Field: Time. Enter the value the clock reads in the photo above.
9:43:57
